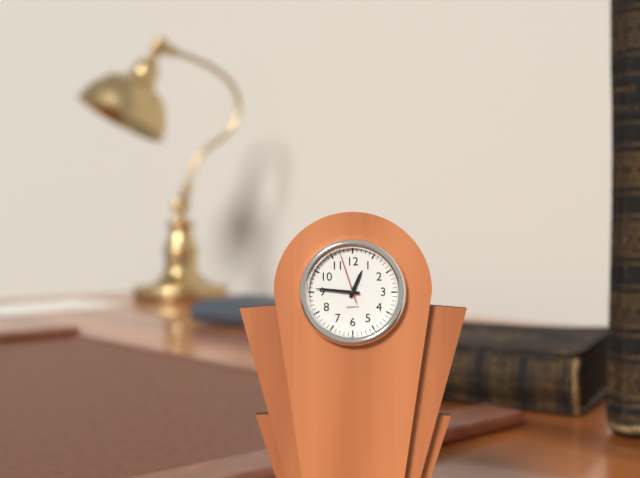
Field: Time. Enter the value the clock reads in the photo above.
12:46:57
